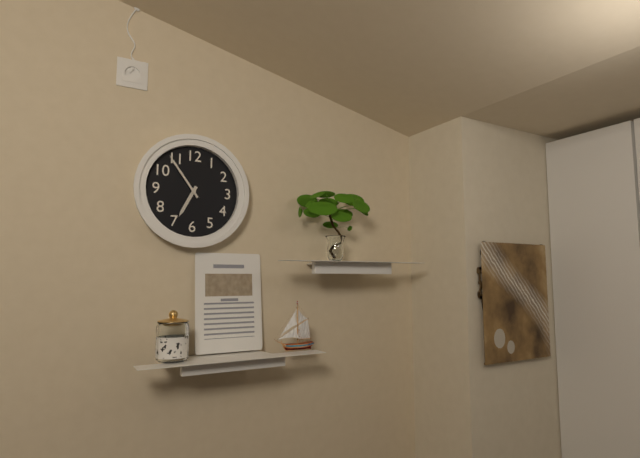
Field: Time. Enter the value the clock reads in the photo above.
6:54
